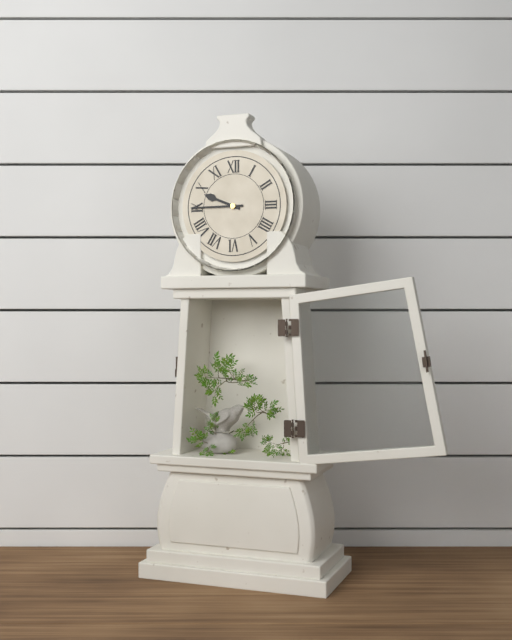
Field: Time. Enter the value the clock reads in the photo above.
9:45
